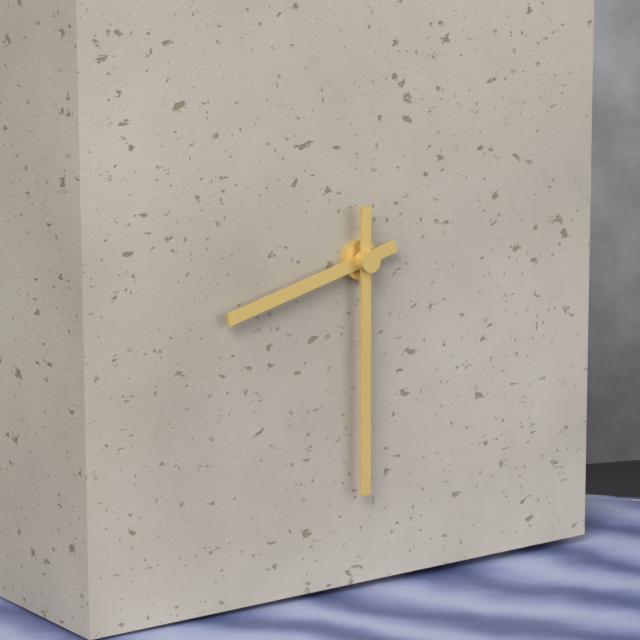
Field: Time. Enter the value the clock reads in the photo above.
8:30
